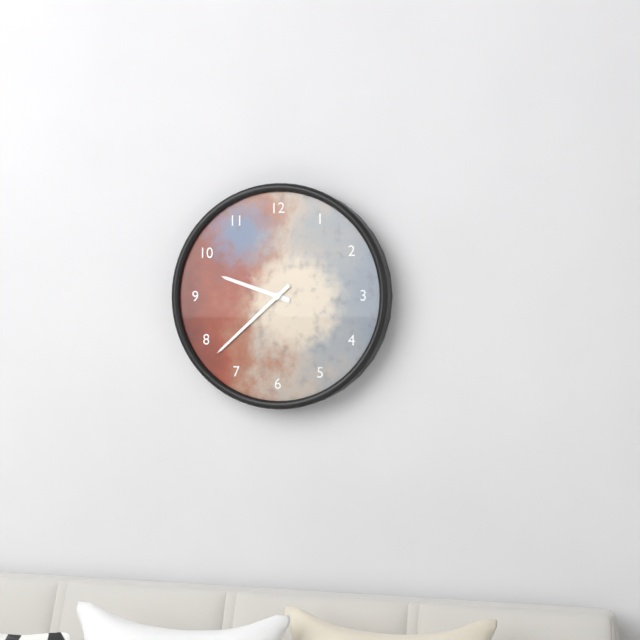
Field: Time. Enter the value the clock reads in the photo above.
9:38
